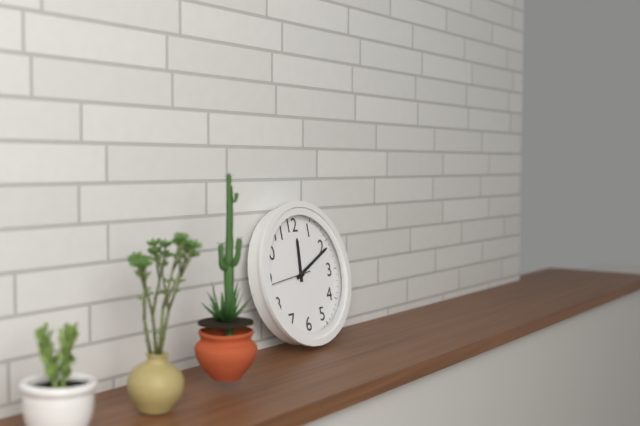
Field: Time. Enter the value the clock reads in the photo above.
12:11
